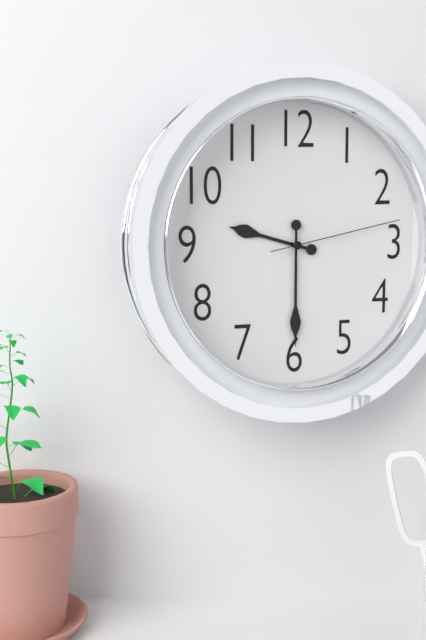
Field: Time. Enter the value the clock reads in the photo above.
9:30:13
